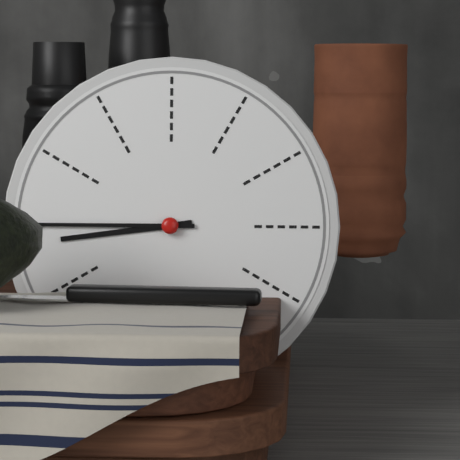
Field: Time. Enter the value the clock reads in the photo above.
8:45
